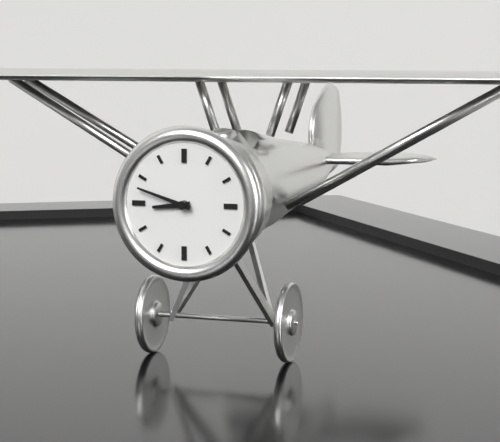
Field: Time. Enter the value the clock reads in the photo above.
8:48
